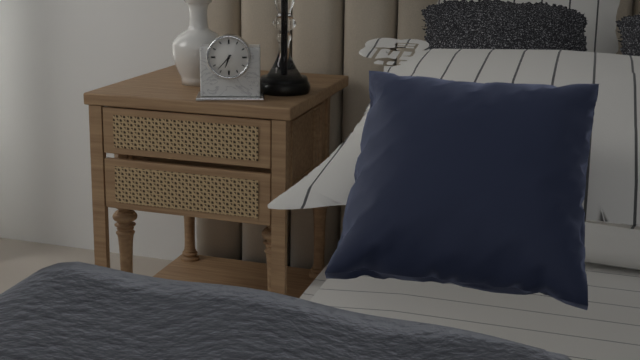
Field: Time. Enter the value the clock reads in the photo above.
6:37
